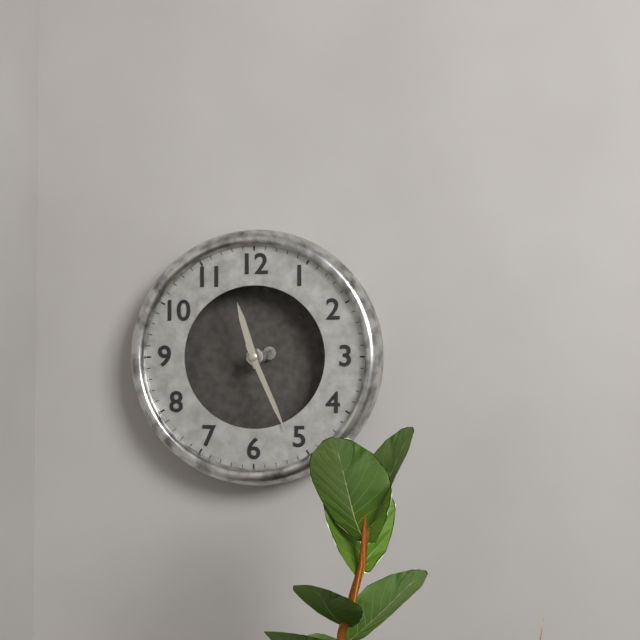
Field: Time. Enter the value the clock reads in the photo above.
11:26
